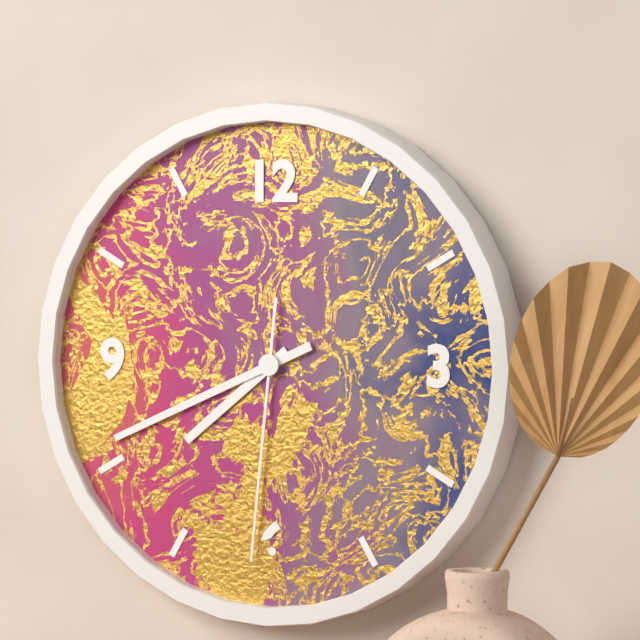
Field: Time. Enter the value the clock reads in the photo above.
7:41:31
